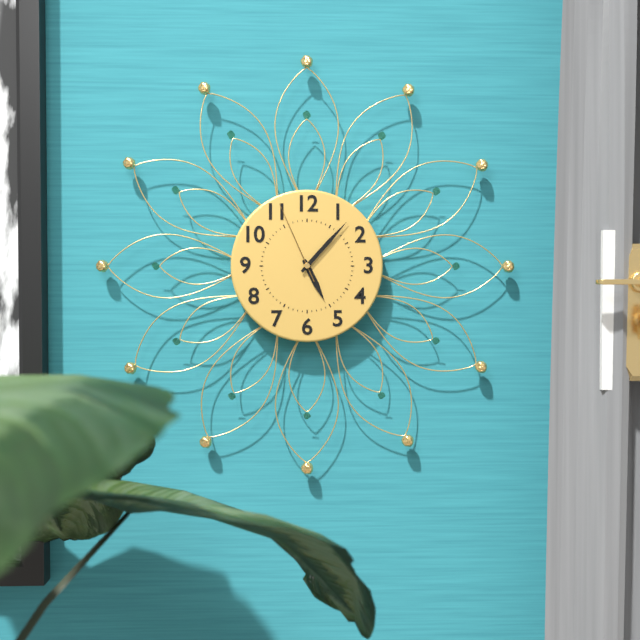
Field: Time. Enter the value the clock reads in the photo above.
5:07:56
